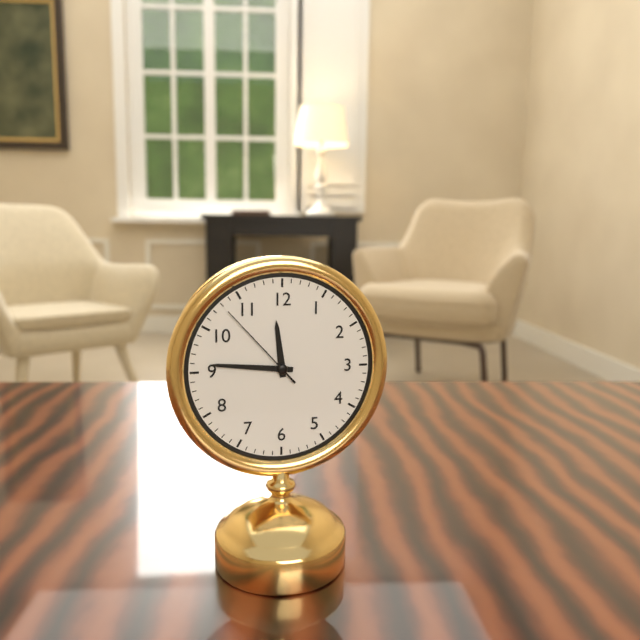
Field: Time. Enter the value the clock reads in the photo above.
11:46:53
